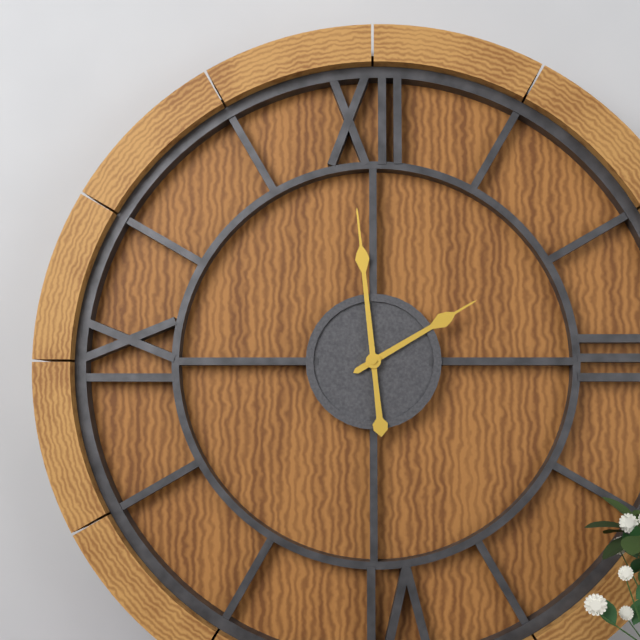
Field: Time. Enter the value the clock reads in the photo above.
1:59
